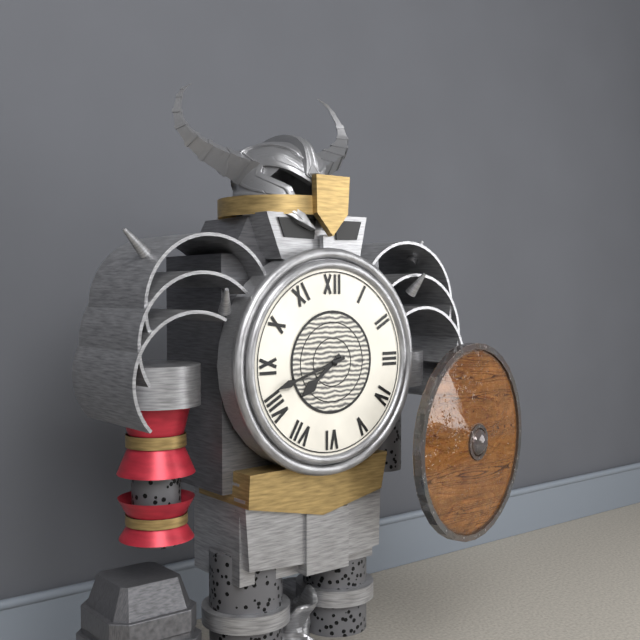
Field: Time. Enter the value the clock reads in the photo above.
7:42
